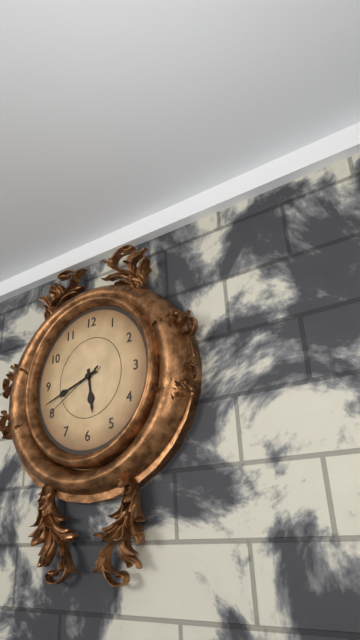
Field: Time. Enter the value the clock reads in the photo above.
5:42:40
